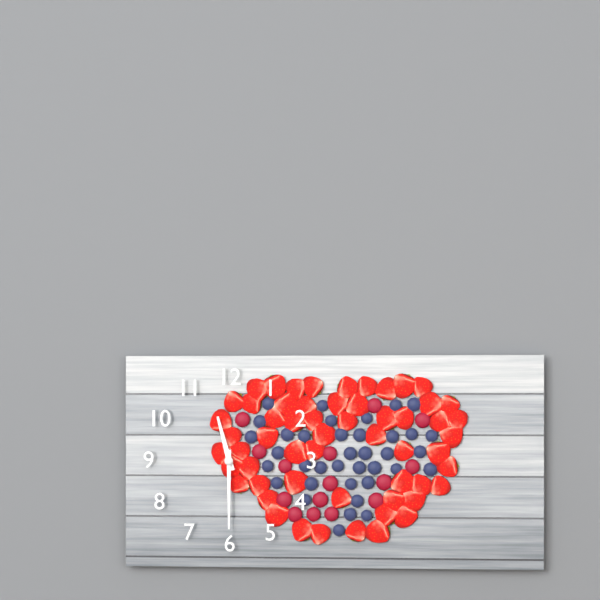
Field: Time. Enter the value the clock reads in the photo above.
11:30
